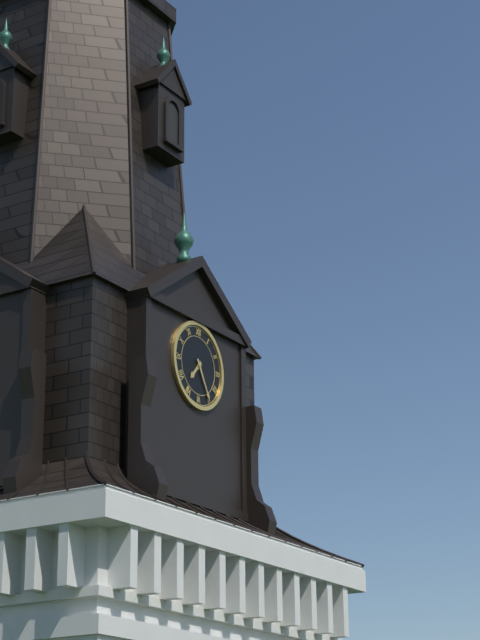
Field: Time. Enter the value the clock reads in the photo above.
7:25
